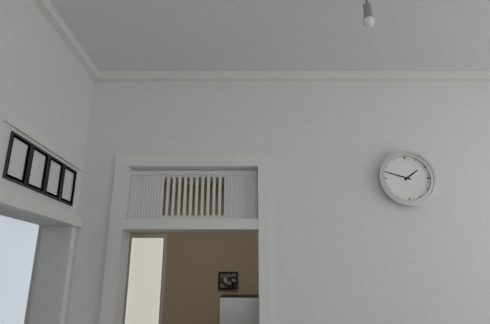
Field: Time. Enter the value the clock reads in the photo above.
1:48
